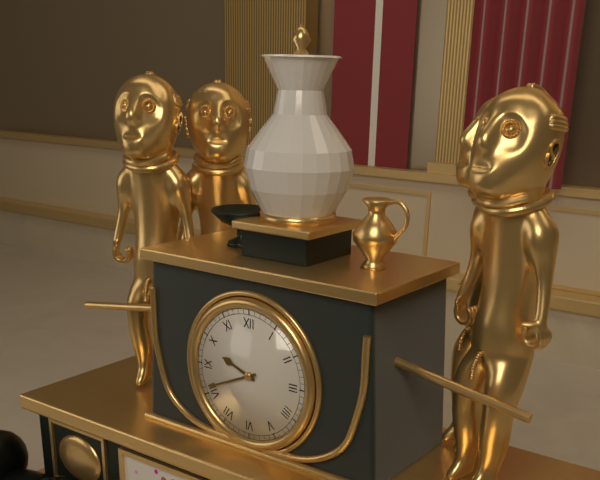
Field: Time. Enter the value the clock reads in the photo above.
9:41
